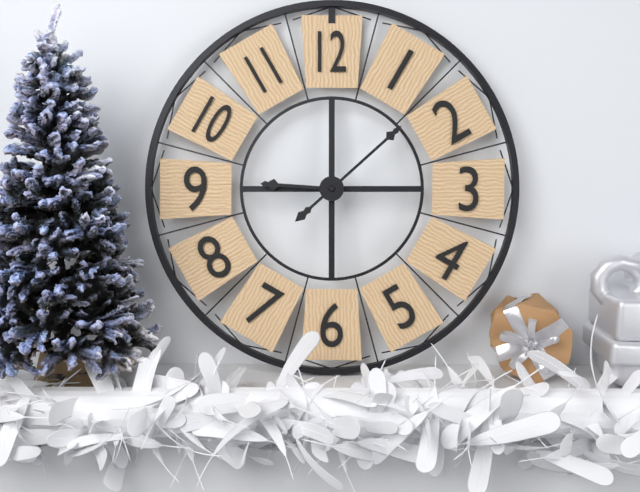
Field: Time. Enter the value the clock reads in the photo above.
9:08
